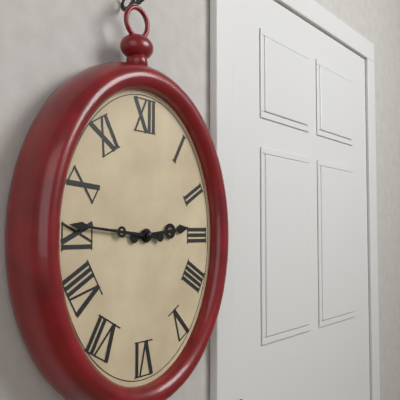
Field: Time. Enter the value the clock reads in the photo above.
2:46
